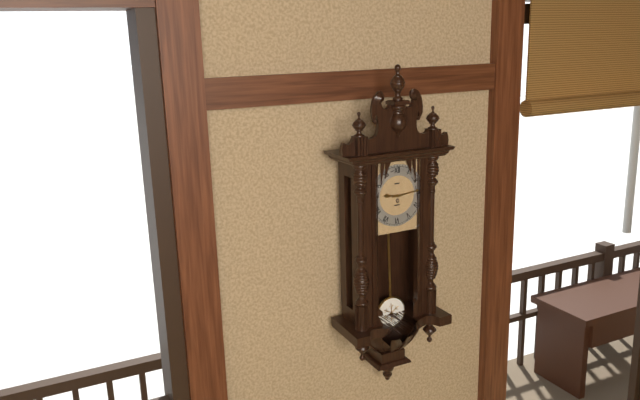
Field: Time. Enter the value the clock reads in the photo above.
9:14
